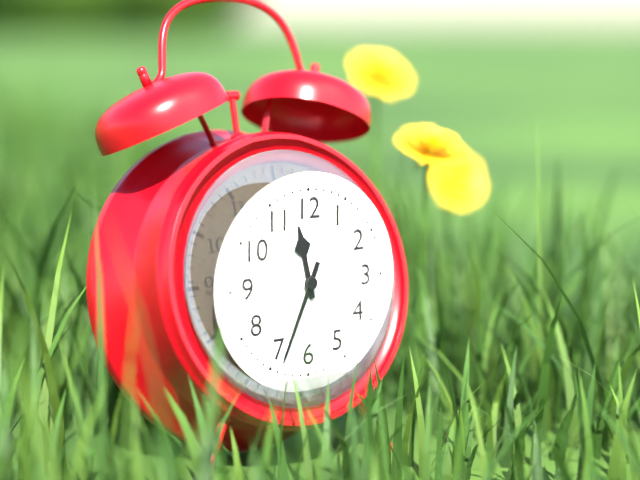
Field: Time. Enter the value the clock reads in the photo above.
11:34
